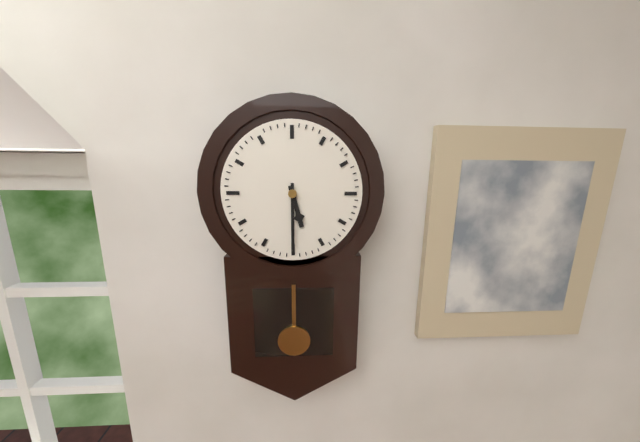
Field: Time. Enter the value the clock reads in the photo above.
5:30
